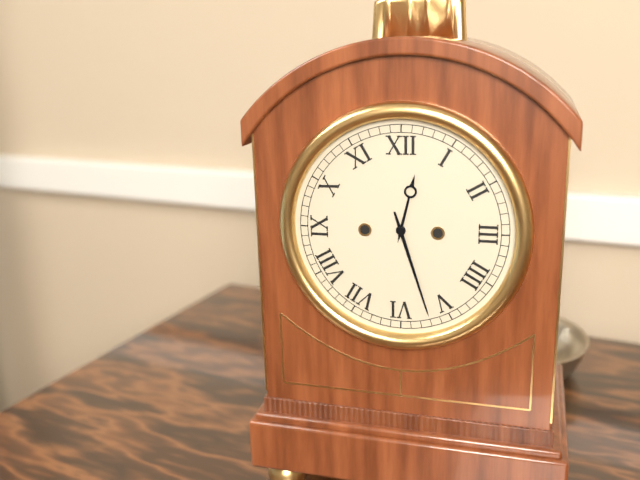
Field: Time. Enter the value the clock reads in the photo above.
12:27
